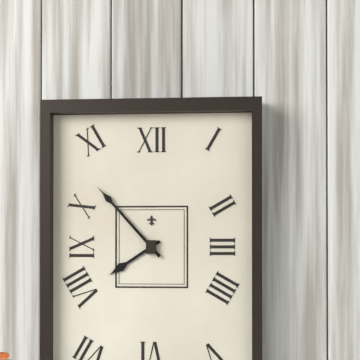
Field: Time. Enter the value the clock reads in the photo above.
7:53
